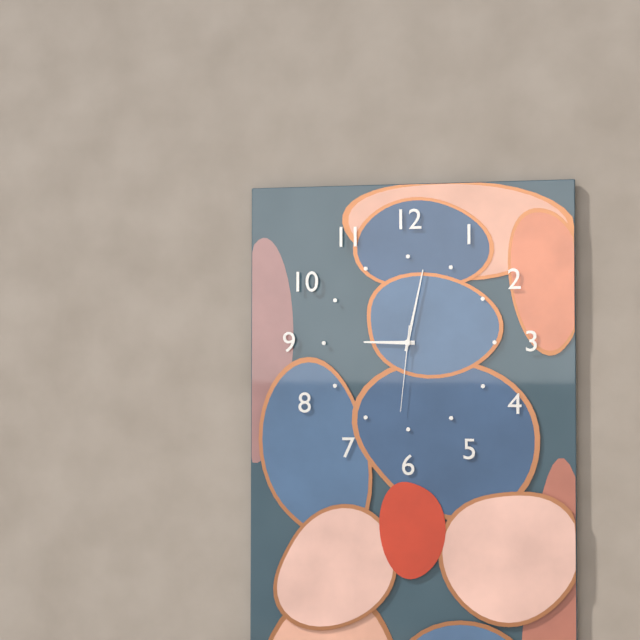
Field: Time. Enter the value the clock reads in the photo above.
9:02:31
